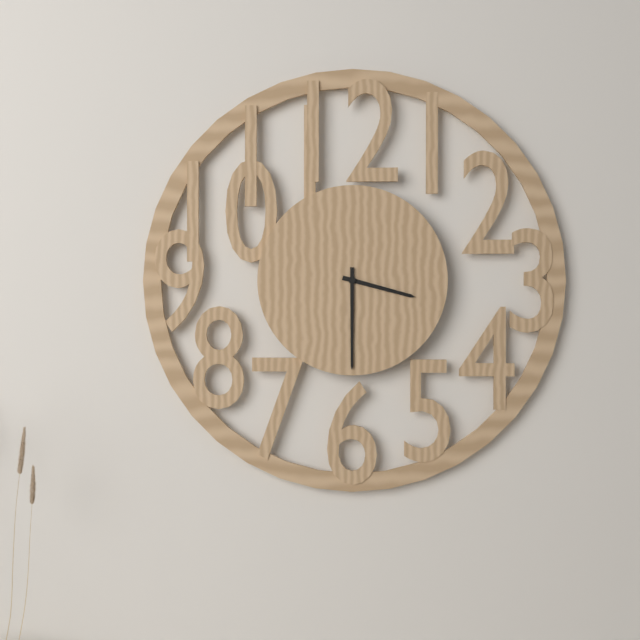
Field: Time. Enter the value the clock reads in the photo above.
3:30
